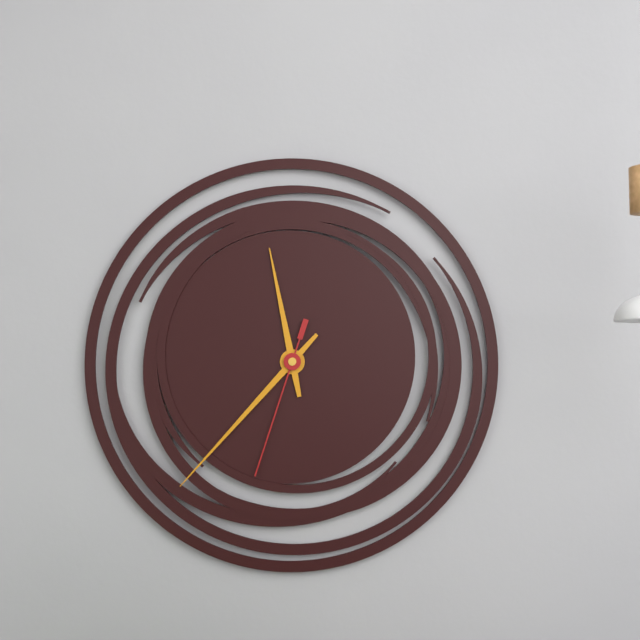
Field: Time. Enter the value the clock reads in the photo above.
11:37:33
